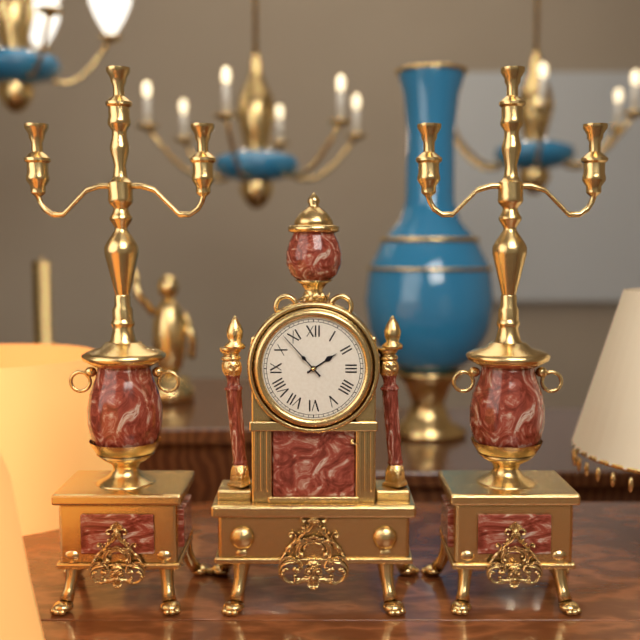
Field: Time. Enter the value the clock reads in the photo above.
1:53
